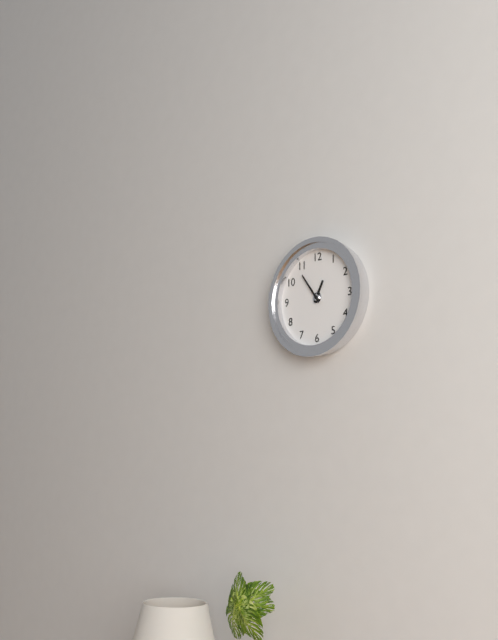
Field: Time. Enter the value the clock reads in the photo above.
12:54
